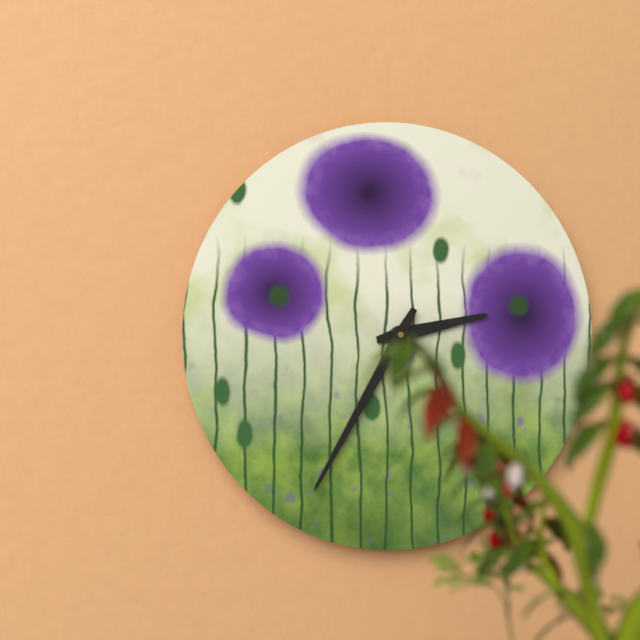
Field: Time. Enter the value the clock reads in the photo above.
2:35
